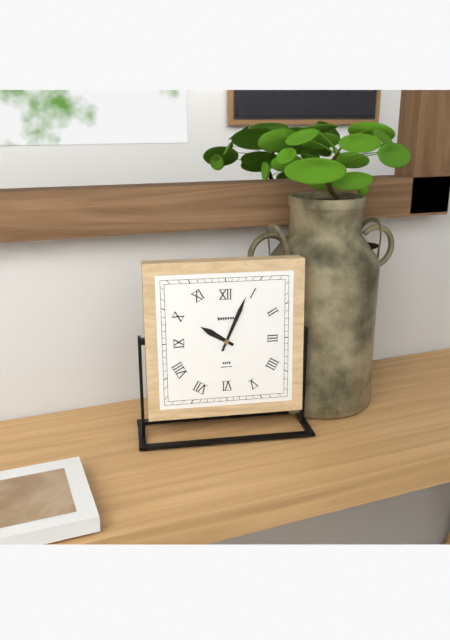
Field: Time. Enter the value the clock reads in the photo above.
10:04
